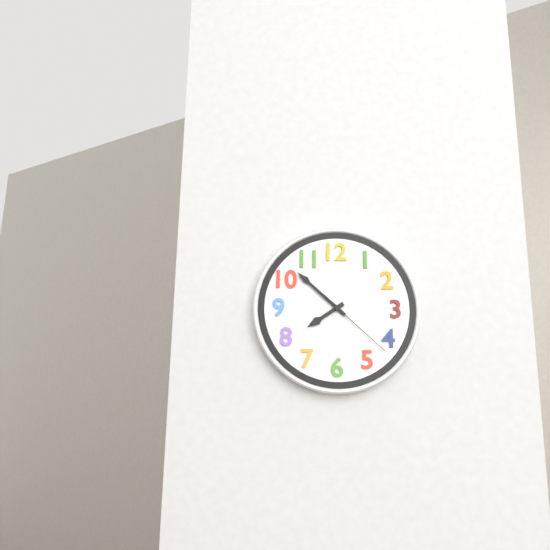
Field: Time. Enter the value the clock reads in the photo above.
7:52:22
